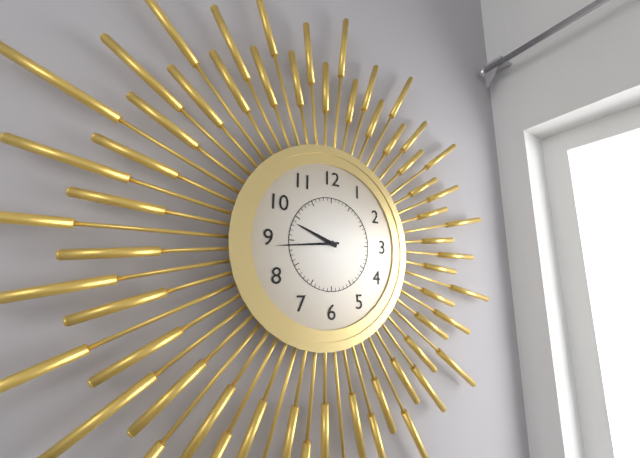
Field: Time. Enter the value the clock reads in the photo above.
9:44
